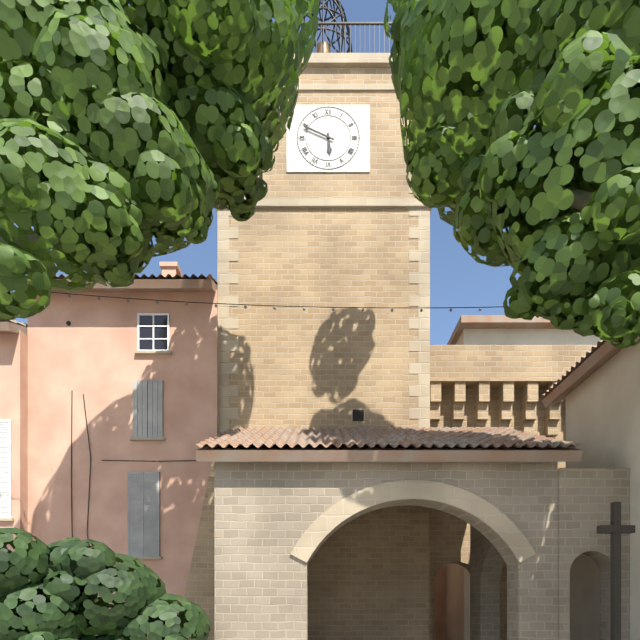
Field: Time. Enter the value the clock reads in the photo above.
5:49
